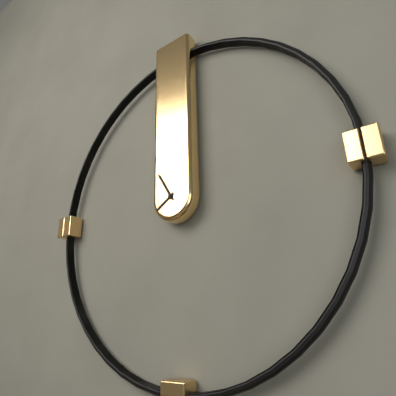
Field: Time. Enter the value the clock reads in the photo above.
7:55
